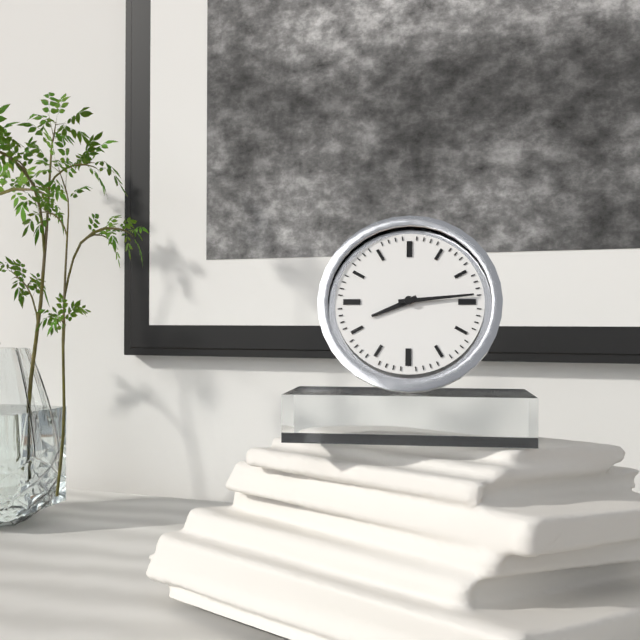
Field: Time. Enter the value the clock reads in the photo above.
8:14
